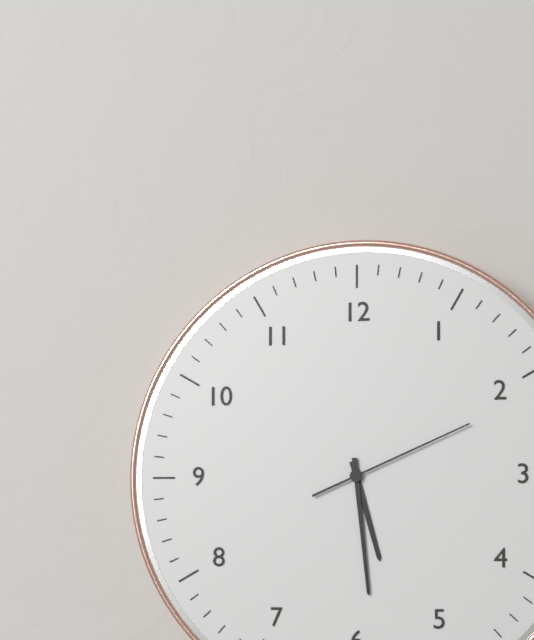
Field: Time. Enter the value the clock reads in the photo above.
5:29:11
